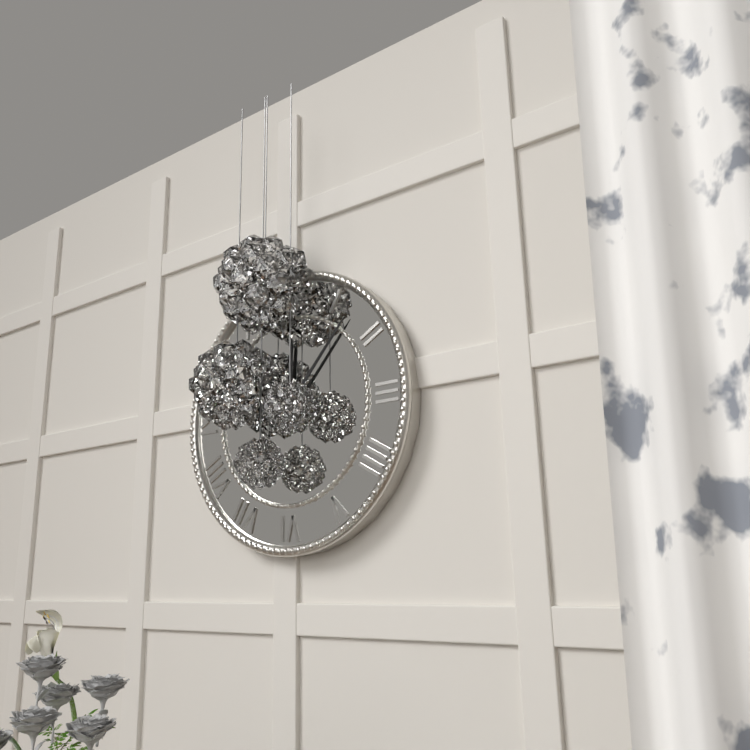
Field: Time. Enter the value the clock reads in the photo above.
12:07
